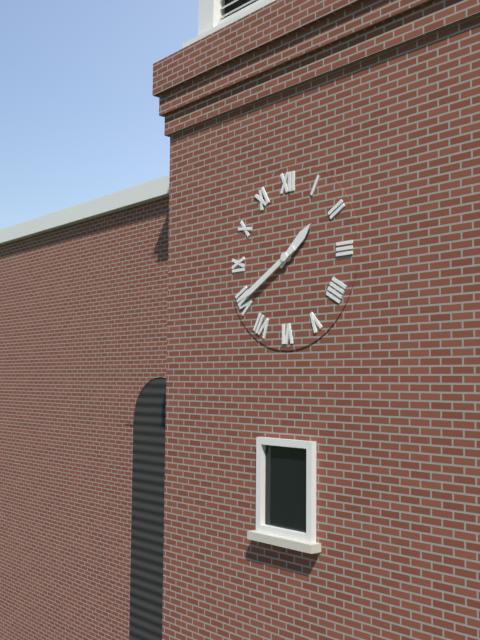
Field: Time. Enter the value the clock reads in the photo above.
1:40
